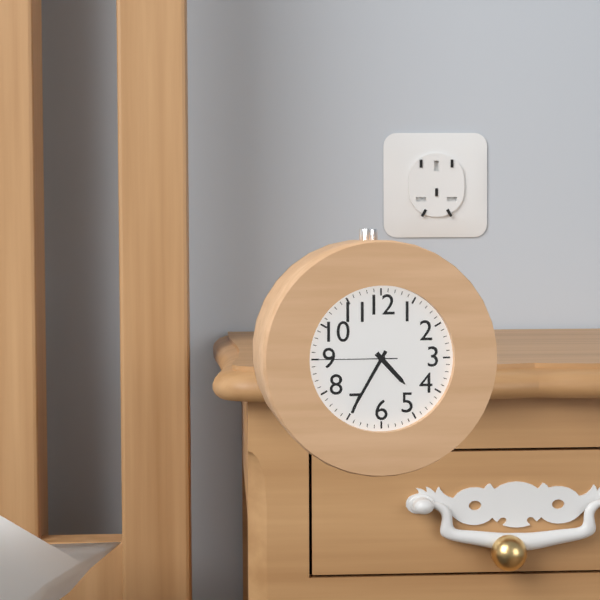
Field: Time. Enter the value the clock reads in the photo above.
4:35:45
